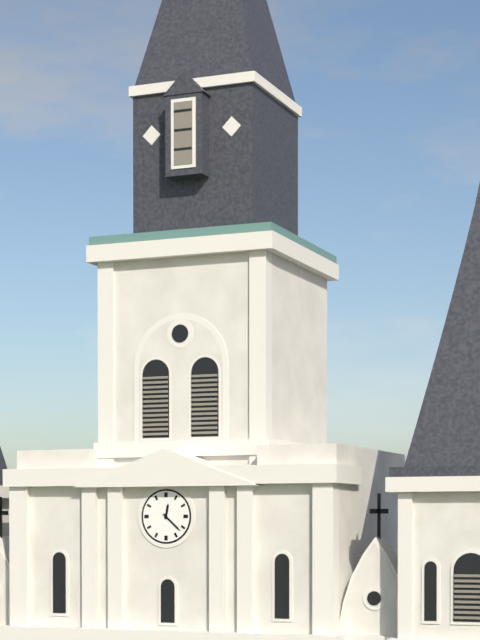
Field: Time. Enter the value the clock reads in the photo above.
12:22
